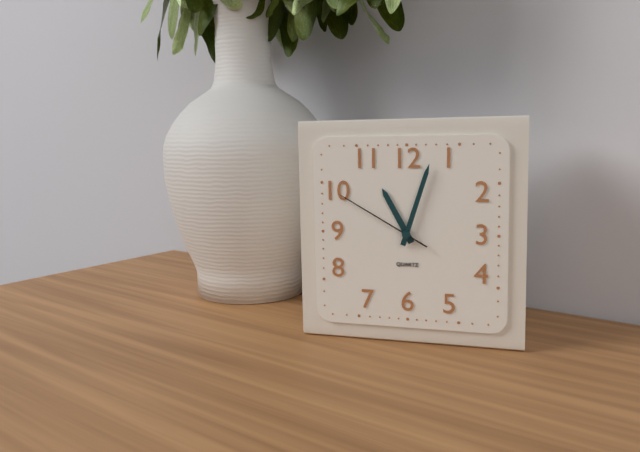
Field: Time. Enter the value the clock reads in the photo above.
11:03:50
